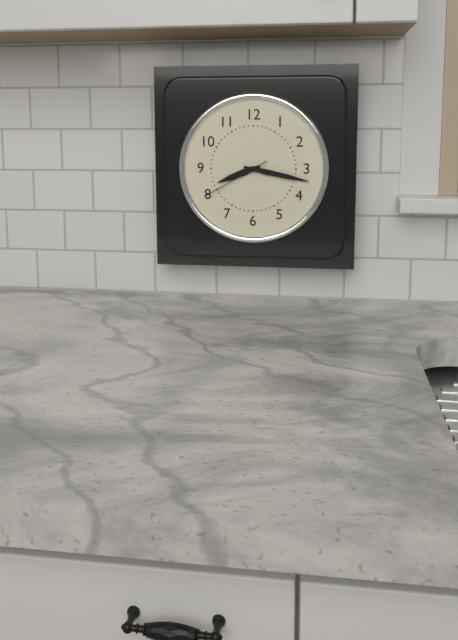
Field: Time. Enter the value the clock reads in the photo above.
8:17:40
